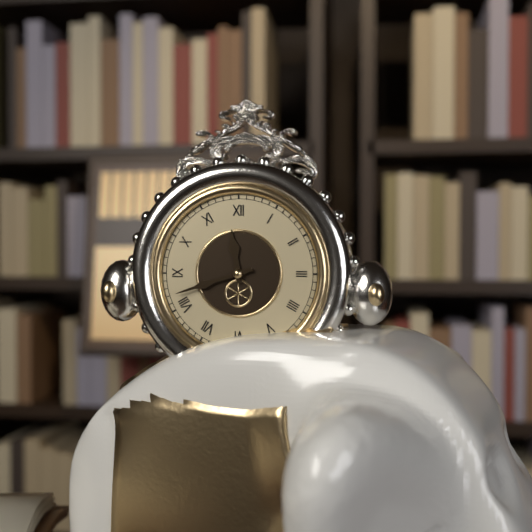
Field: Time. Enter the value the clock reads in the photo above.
11:42
